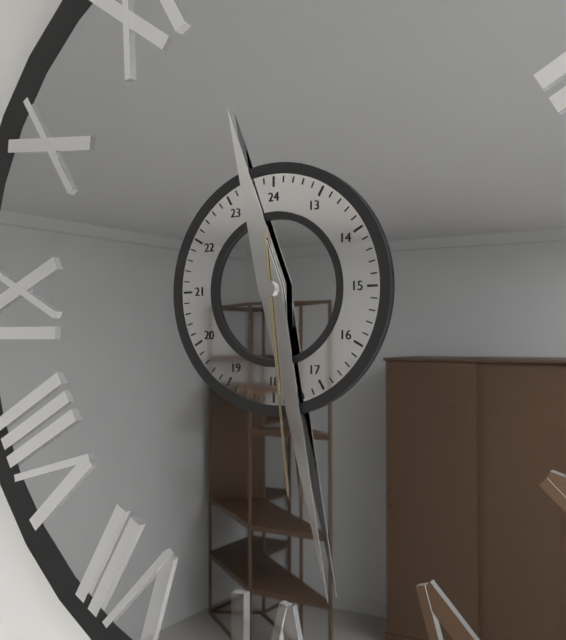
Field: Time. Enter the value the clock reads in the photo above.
11:28:29
